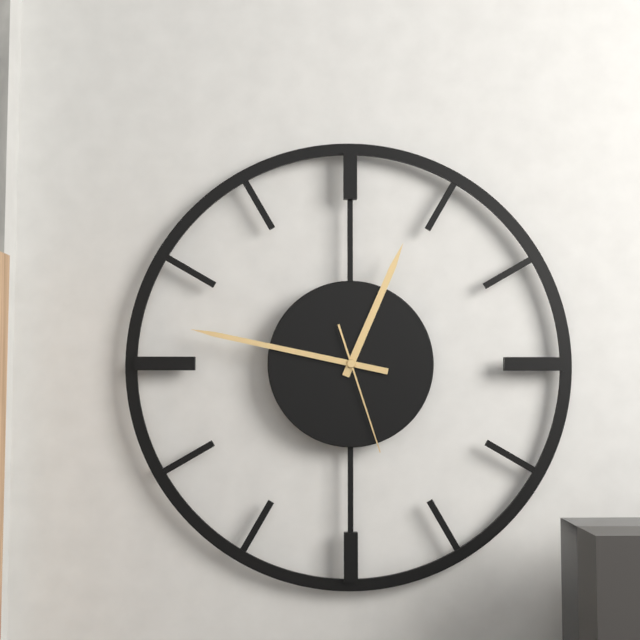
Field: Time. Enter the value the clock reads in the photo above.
12:47:27
